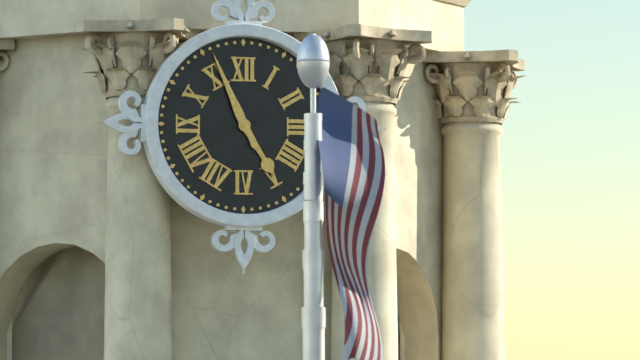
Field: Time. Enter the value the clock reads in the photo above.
4:56
